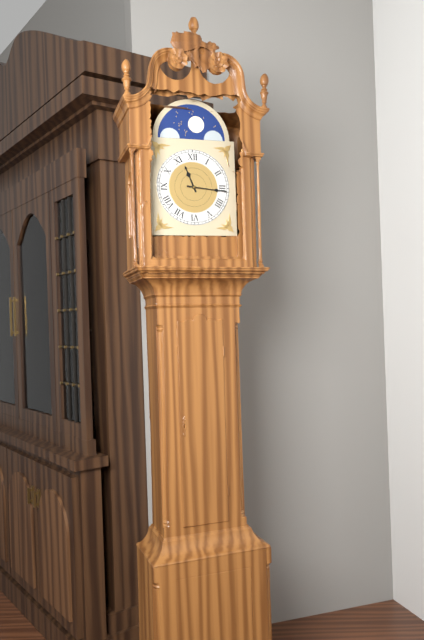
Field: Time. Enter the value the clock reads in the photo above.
11:16
